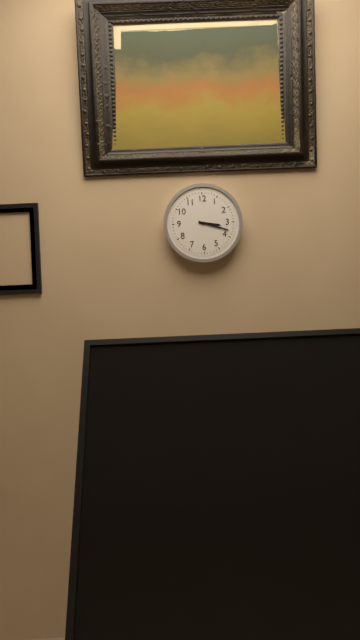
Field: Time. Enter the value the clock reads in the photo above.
3:18
